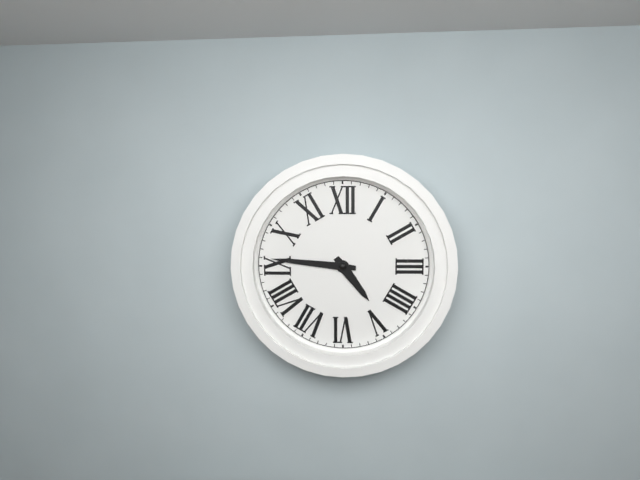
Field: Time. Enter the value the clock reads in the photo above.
4:46
